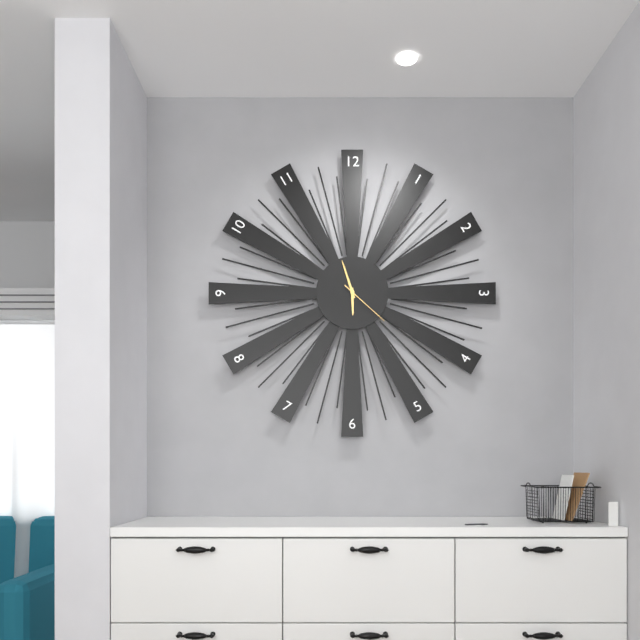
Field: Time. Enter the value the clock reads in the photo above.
5:57:22
